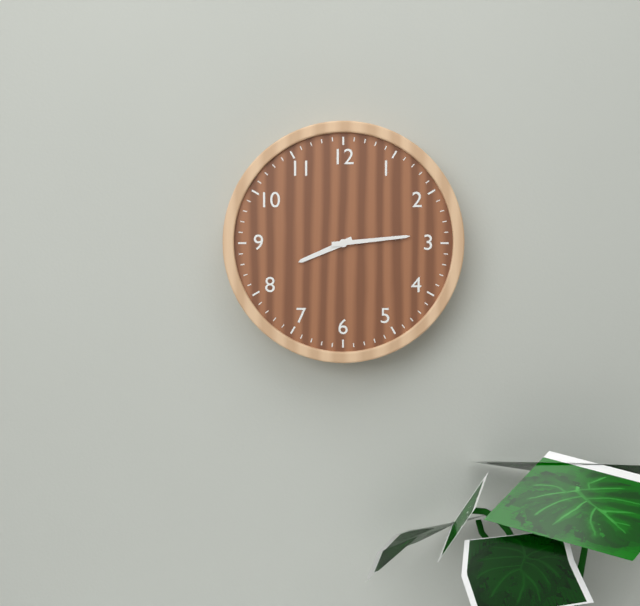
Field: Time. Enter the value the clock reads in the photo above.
8:14
